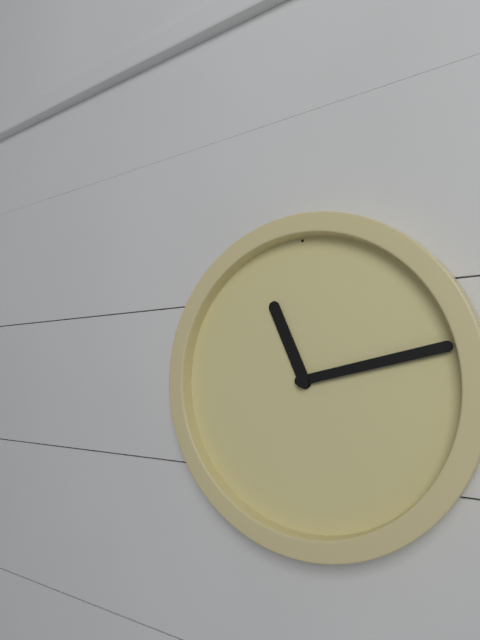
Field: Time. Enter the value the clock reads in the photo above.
11:13
